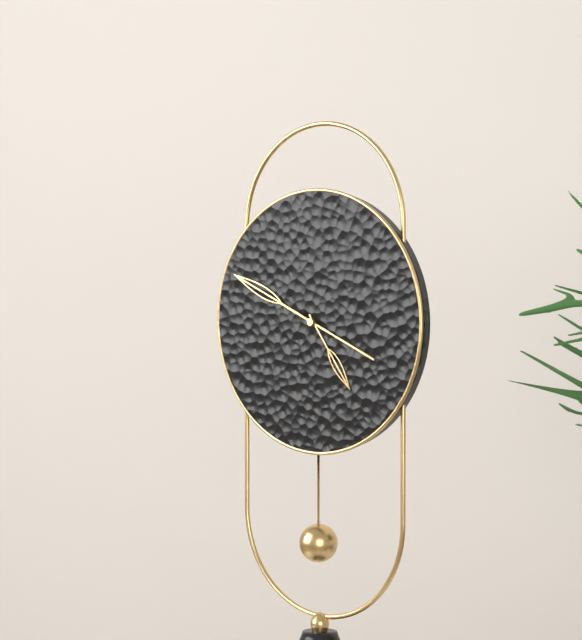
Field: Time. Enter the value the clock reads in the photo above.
4:49:19
